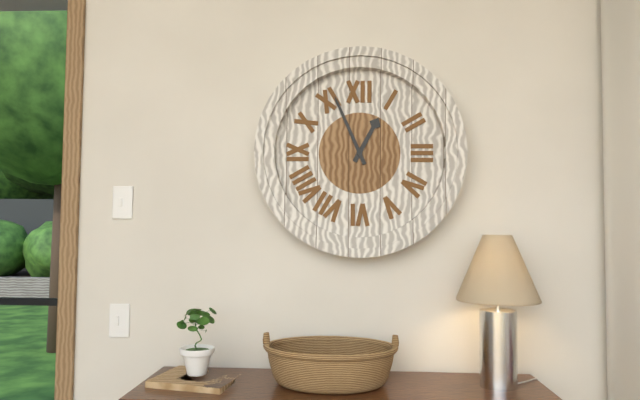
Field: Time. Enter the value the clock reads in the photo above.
12:56
